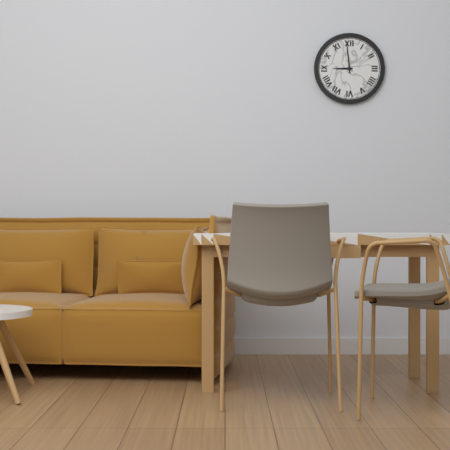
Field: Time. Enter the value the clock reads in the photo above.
8:59
